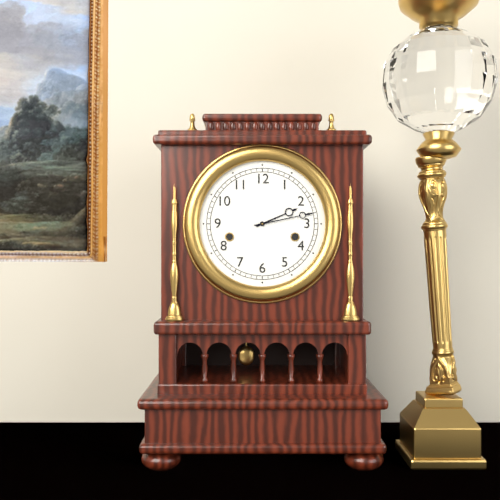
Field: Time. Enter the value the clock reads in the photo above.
2:13
